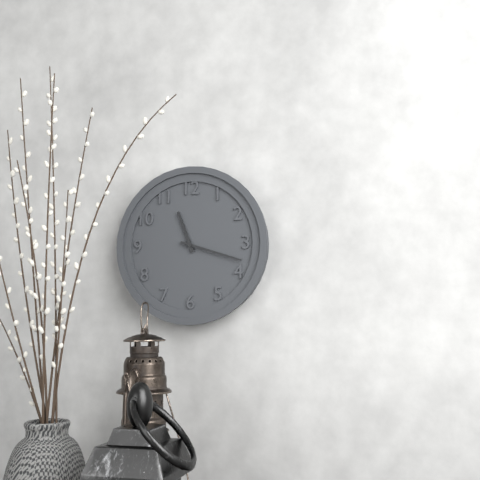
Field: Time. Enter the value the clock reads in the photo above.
11:18
